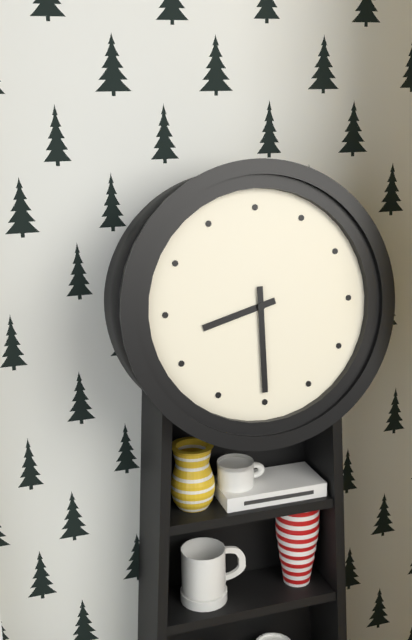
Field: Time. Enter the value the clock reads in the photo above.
8:30
